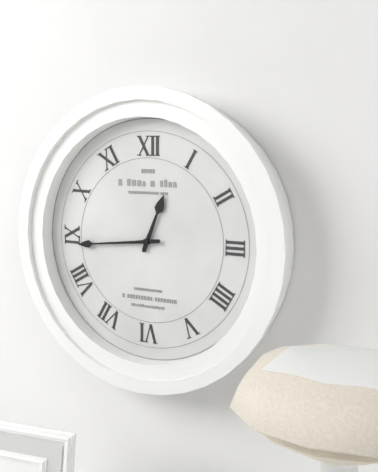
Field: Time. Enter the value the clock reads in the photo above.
12:44
